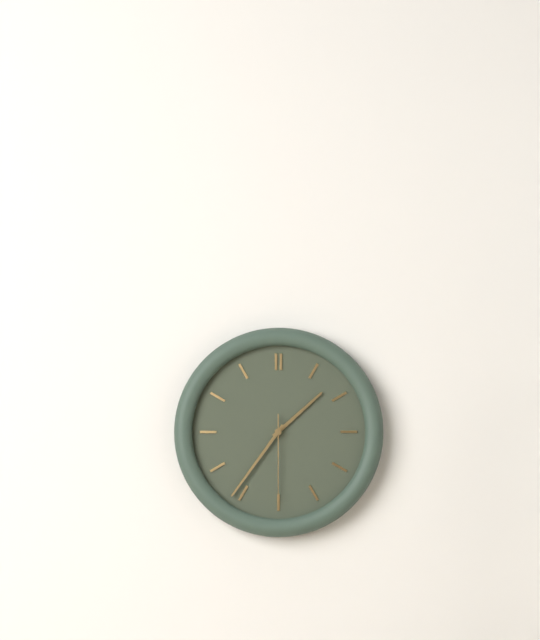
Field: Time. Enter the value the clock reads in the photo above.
1:36:30
